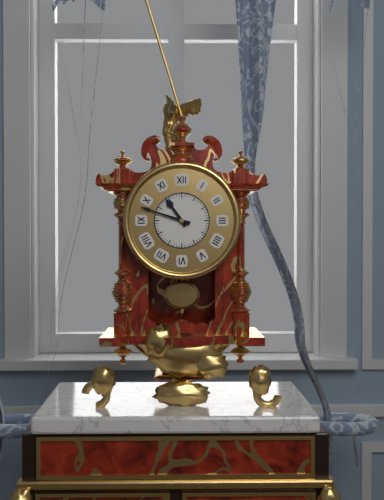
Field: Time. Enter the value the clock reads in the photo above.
10:48
